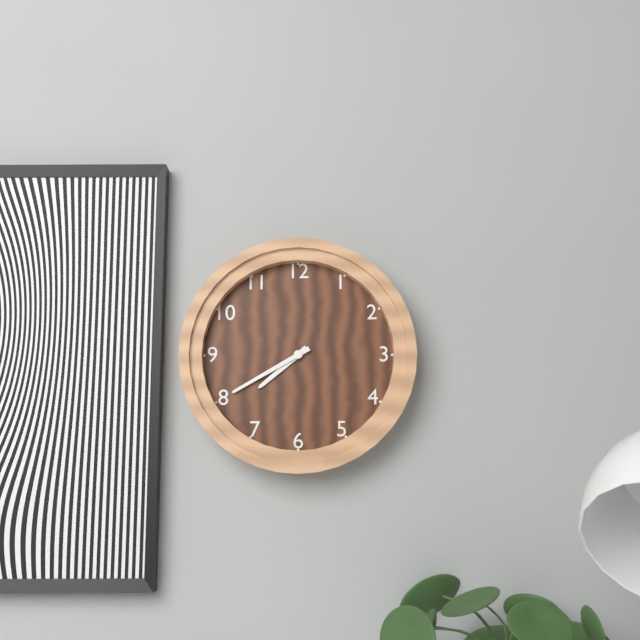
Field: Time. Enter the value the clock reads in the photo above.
7:40
